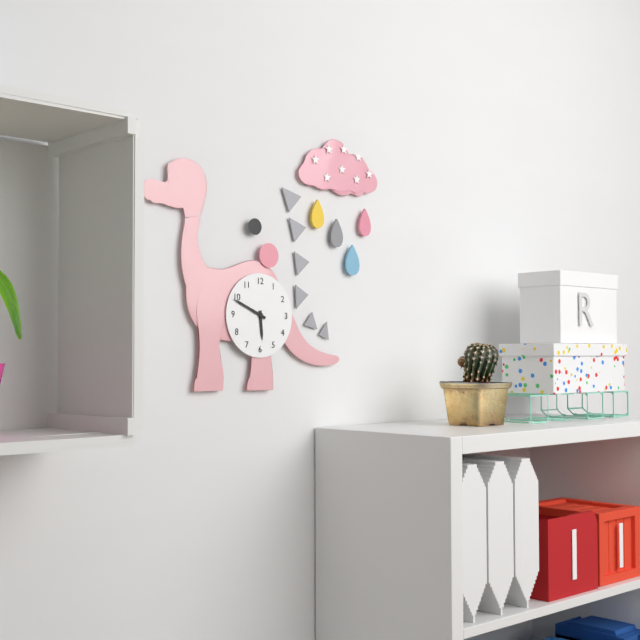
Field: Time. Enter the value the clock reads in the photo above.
5:49
